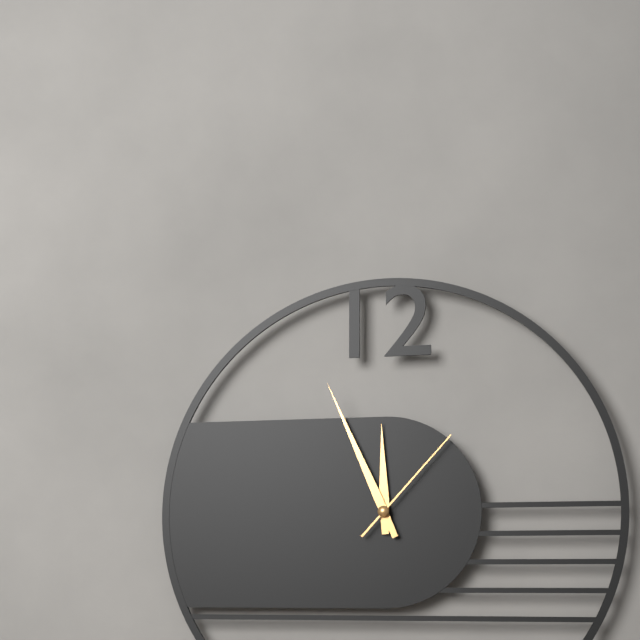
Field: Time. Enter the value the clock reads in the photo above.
11:56:07
